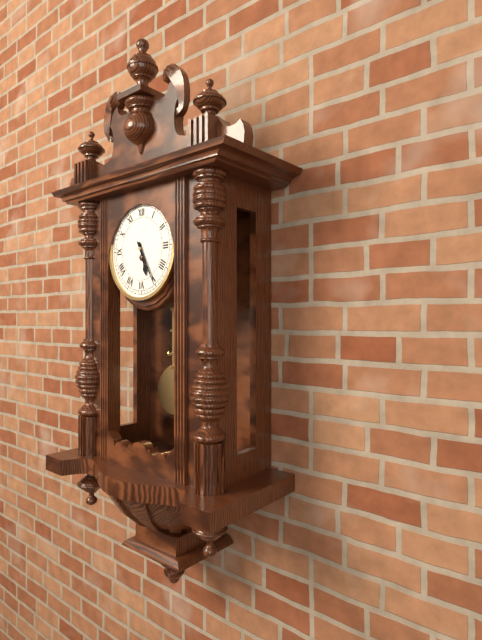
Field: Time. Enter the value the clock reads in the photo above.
5:25
